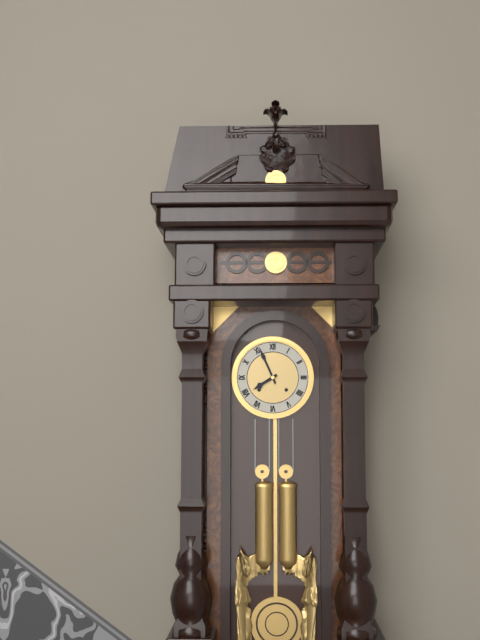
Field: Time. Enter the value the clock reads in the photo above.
7:56
